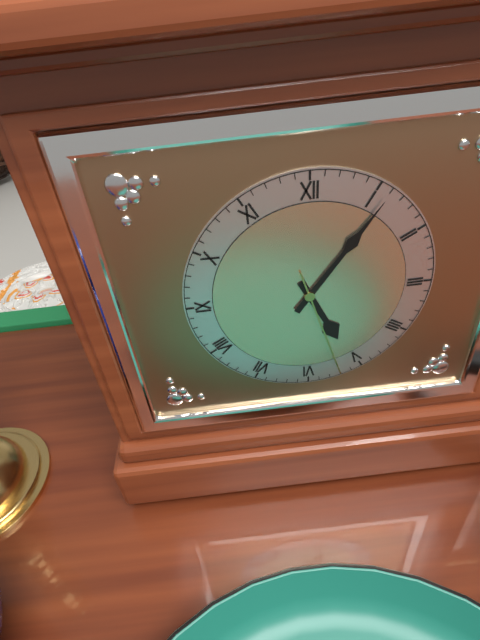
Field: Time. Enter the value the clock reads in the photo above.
5:06:27
